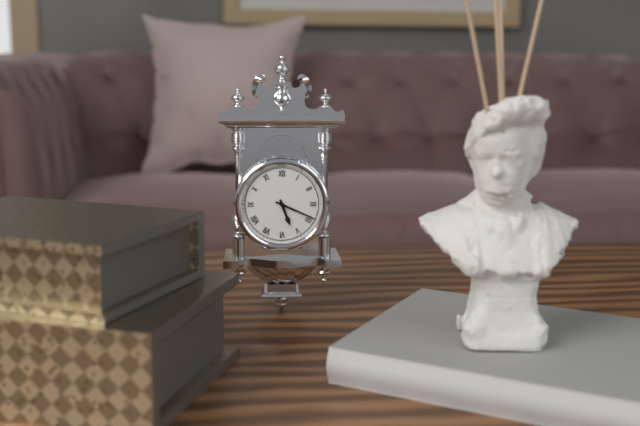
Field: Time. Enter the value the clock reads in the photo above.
5:19
